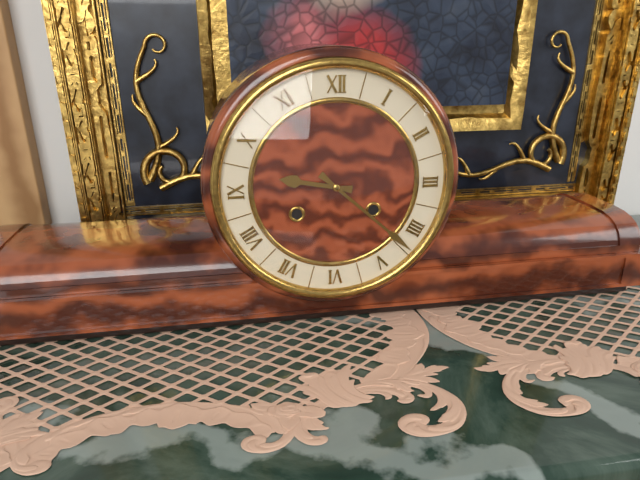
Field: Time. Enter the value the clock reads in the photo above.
9:22
